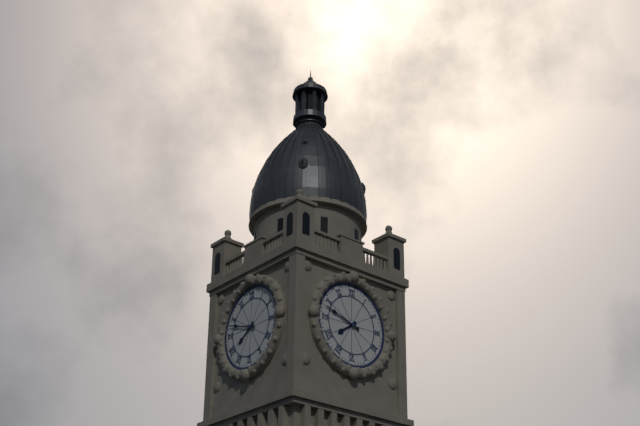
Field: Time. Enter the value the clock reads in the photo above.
7:48
